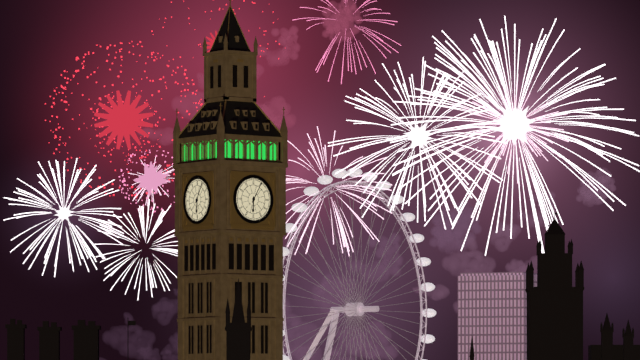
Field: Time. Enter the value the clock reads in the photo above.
6:05
